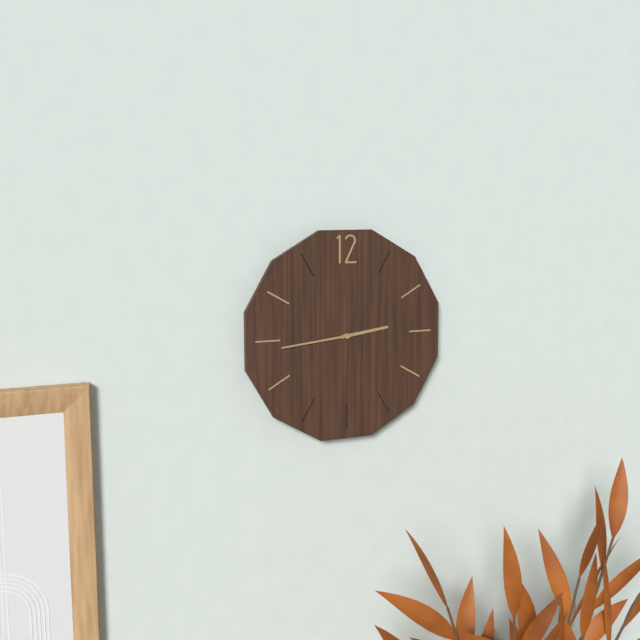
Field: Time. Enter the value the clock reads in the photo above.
2:44
